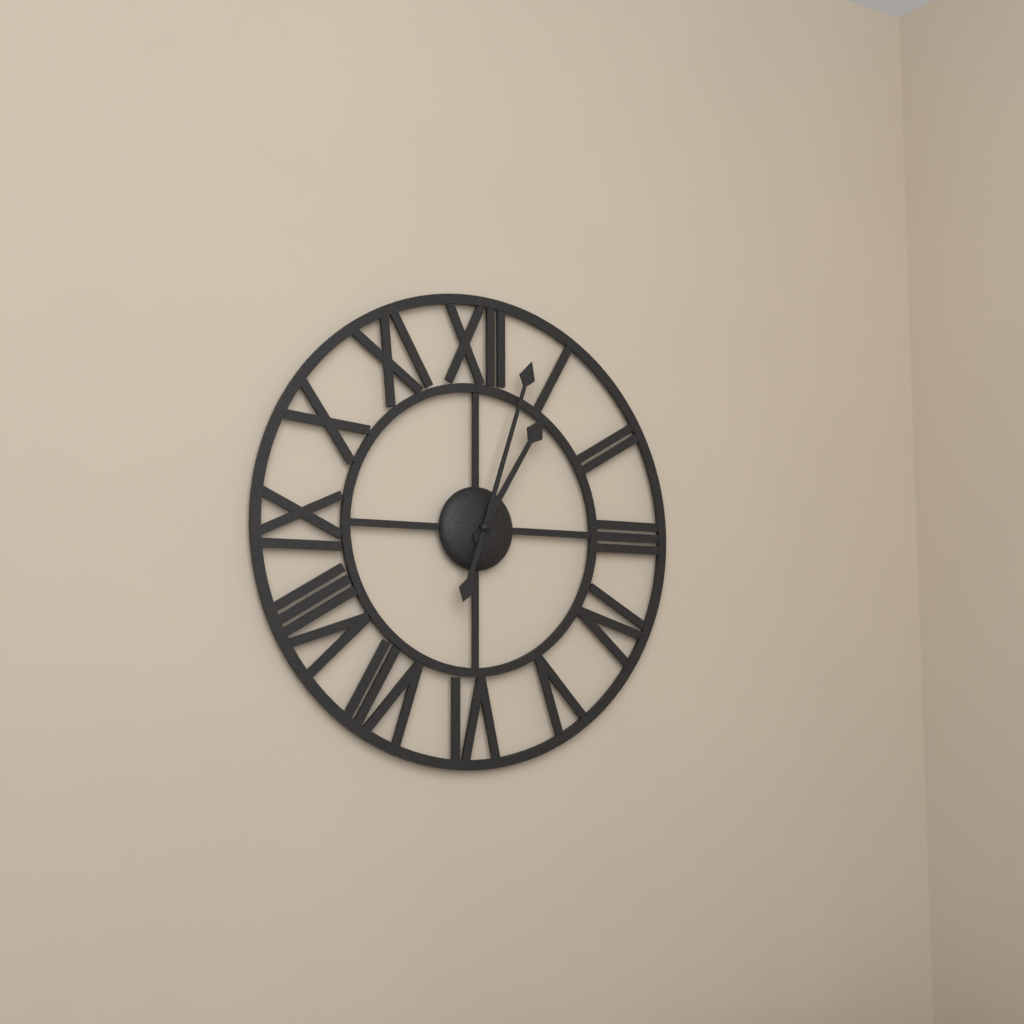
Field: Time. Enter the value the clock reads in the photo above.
1:03
